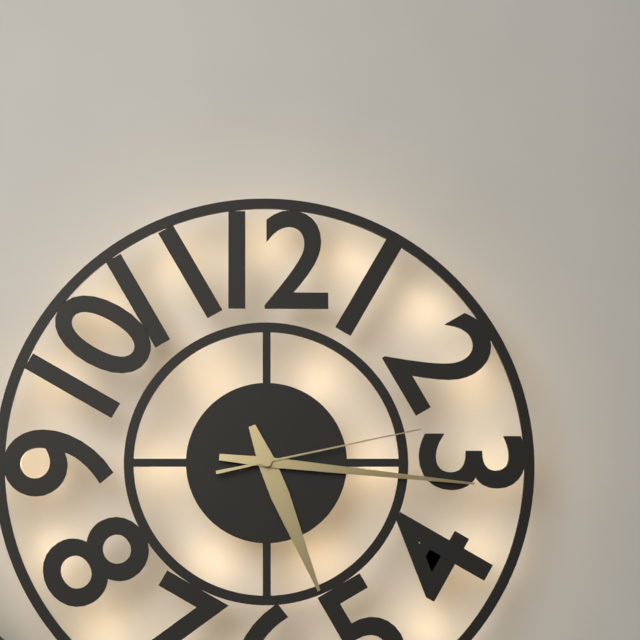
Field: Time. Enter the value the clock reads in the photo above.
5:16:13
